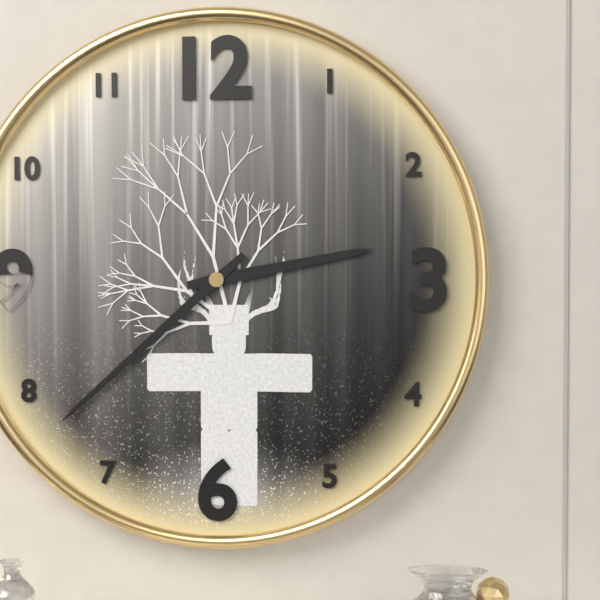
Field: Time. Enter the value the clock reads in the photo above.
2:38
